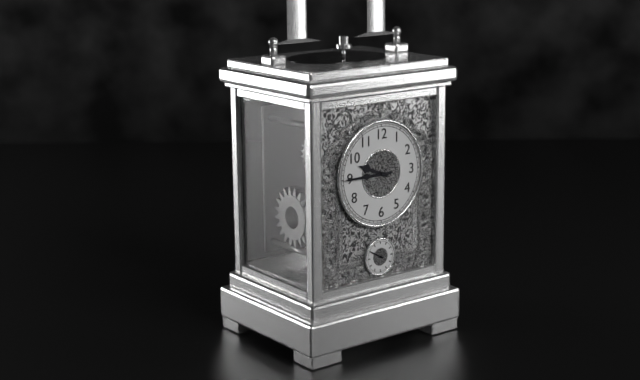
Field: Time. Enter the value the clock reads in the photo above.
9:45
